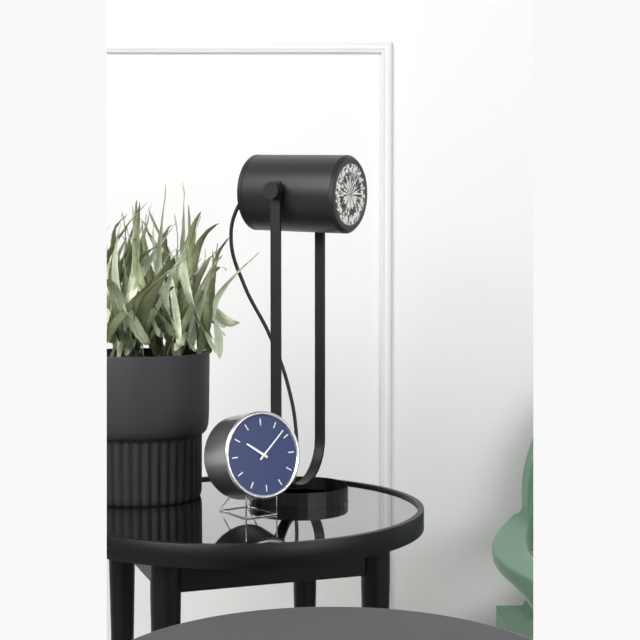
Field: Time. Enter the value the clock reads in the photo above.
10:08
